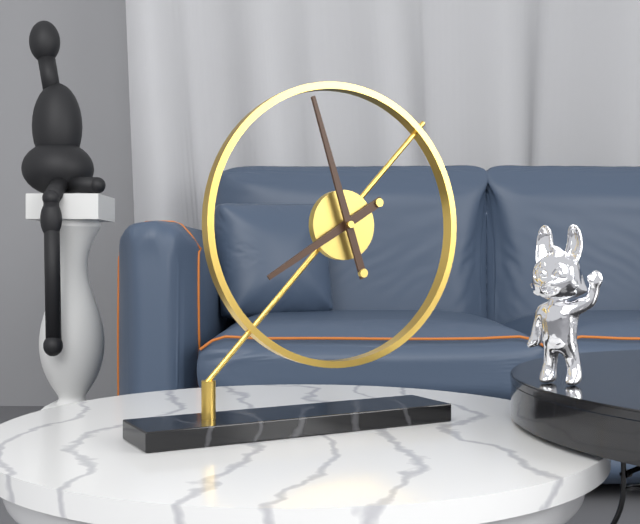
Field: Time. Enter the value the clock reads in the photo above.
7:57
